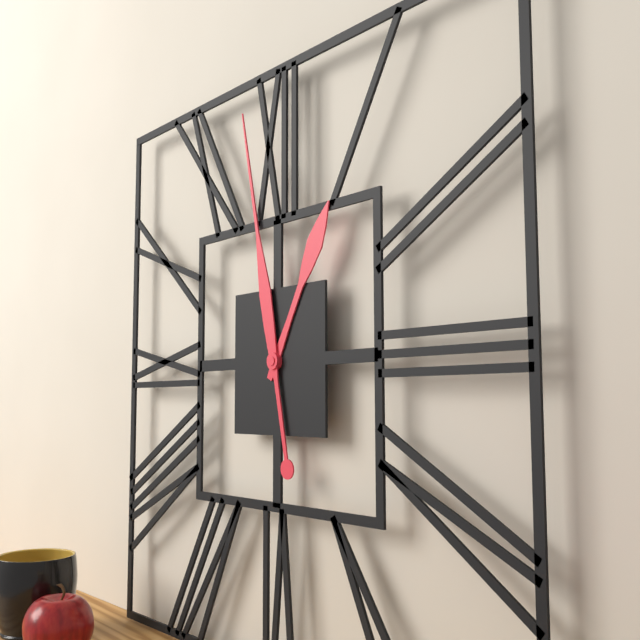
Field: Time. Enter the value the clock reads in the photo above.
12:58
